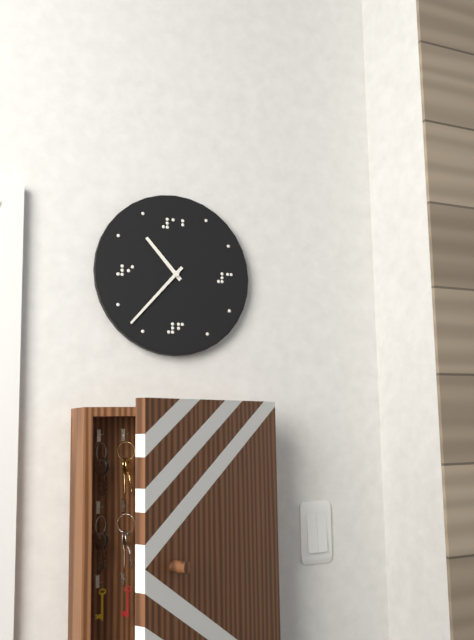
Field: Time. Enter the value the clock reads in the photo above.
10:37
